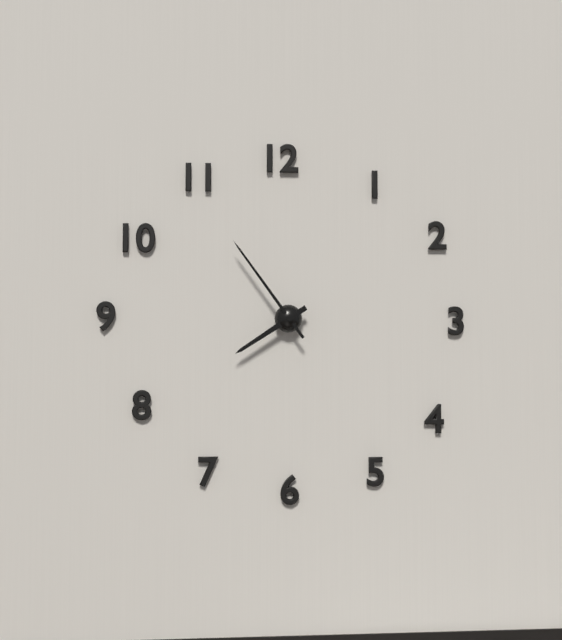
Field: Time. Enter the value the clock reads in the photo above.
7:54
